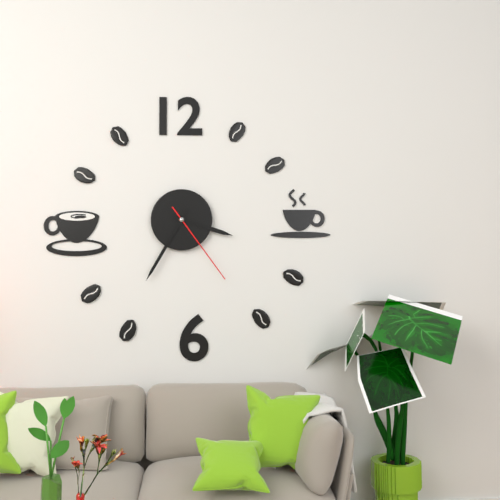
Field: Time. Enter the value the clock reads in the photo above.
3:35:24
